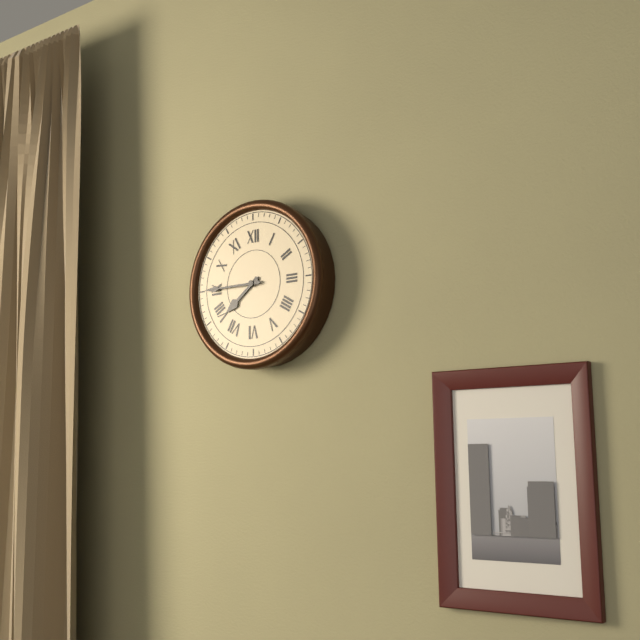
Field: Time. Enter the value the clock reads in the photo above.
7:45
